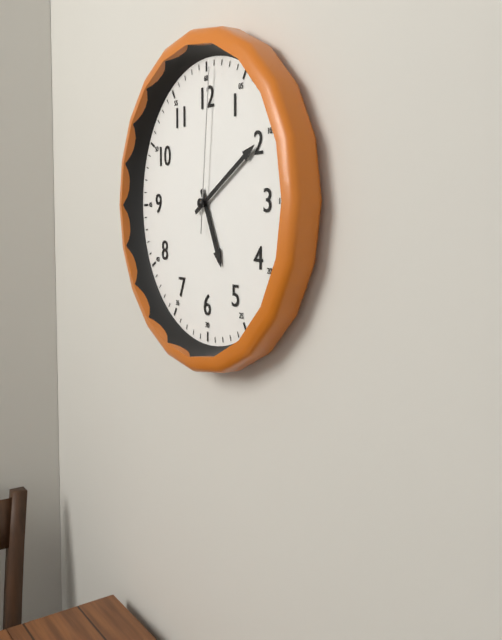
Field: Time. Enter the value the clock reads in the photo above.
5:10:01
